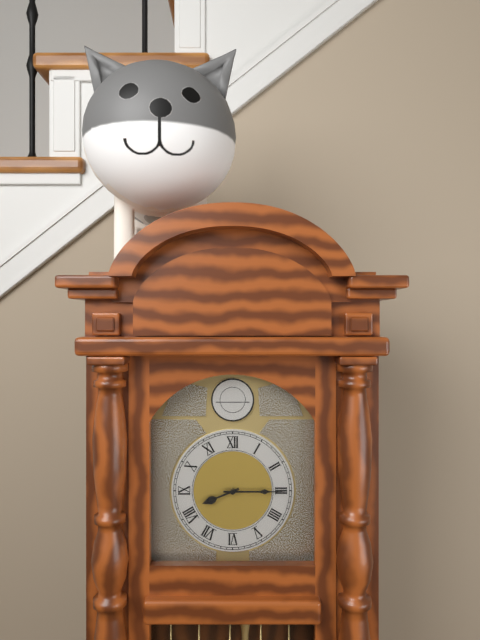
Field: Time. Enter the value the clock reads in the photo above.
8:15
